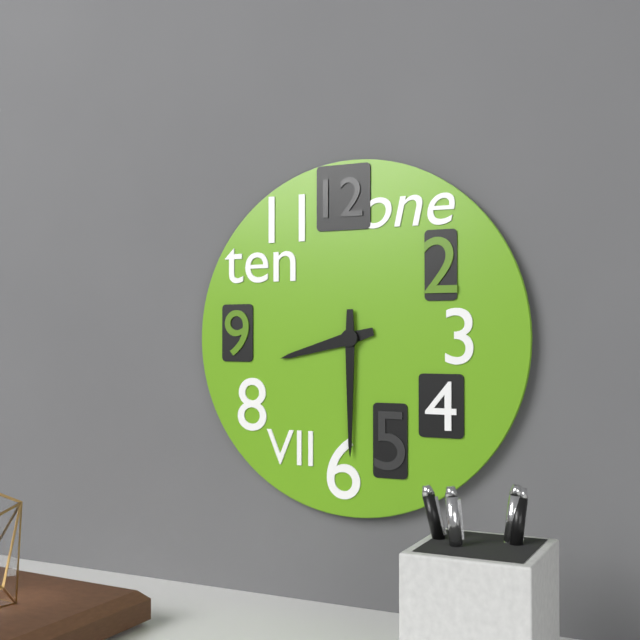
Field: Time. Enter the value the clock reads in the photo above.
8:30
